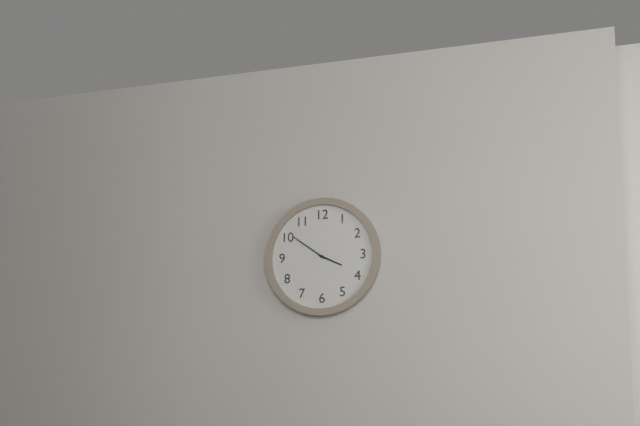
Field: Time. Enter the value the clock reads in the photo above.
3:51
